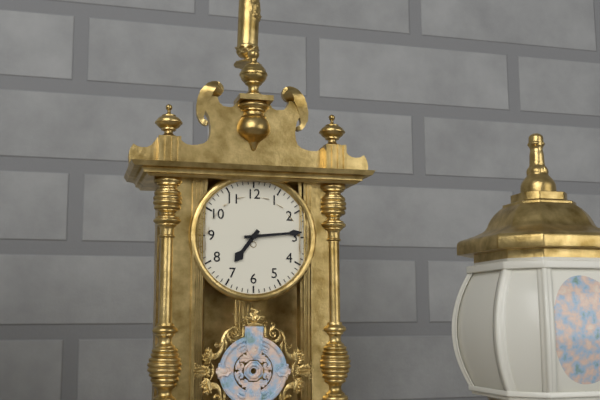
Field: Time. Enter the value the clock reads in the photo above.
7:14
